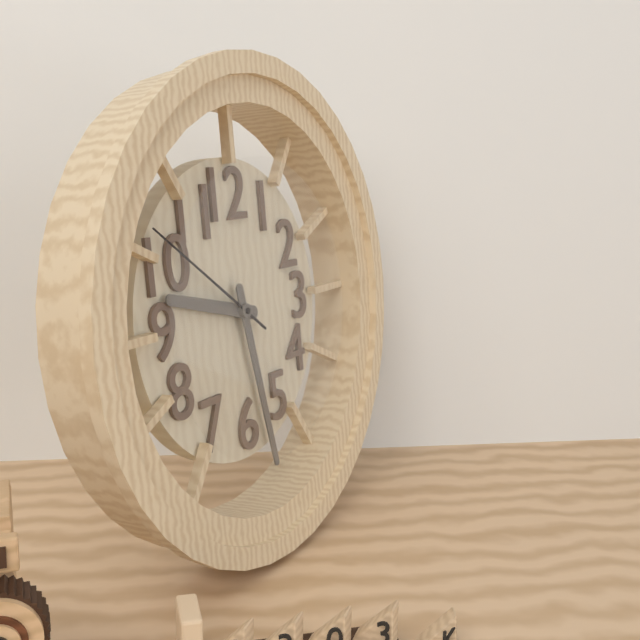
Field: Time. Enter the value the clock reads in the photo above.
9:28:51
